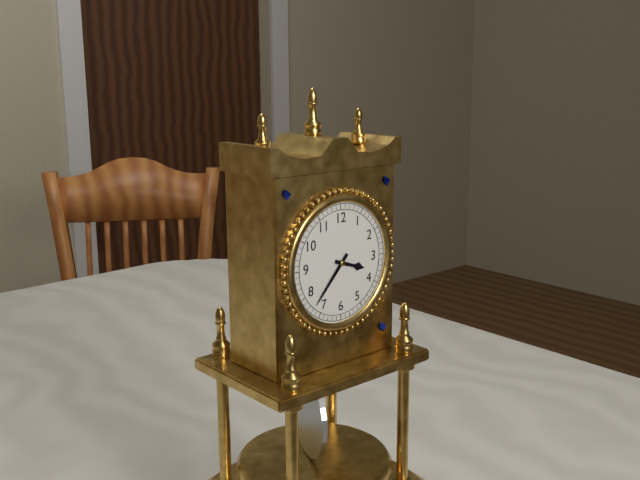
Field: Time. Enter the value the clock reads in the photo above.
3:37
